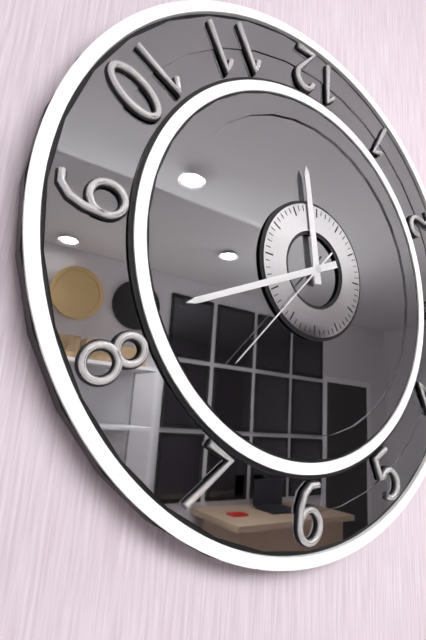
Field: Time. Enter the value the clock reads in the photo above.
11:41:37
